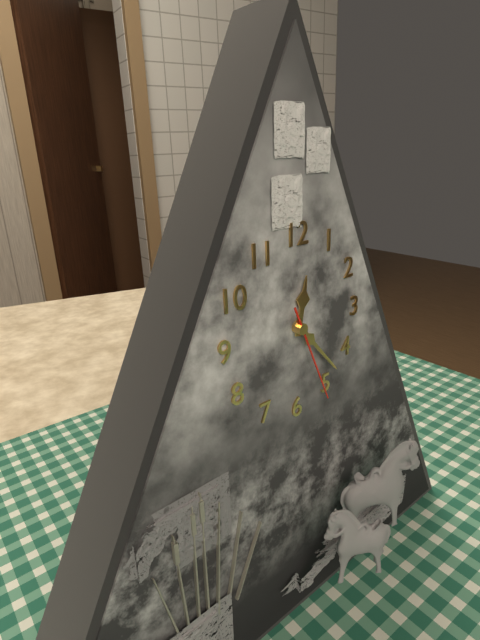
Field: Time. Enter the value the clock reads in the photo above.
12:23:26
